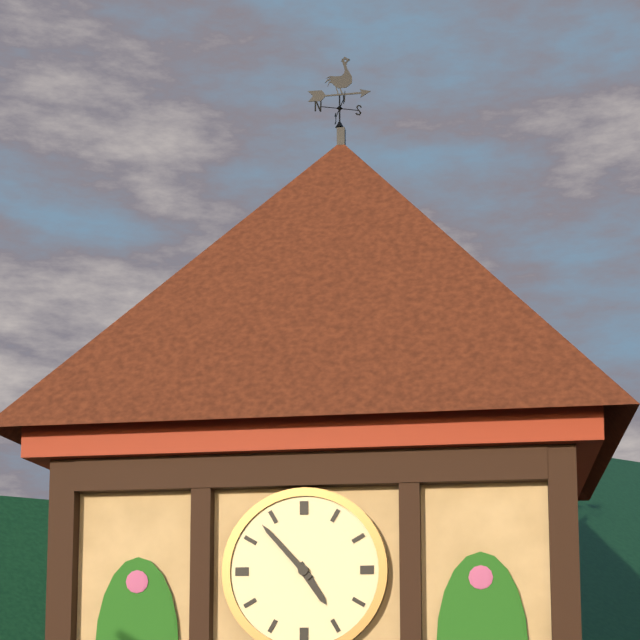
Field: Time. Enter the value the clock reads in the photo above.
4:53
